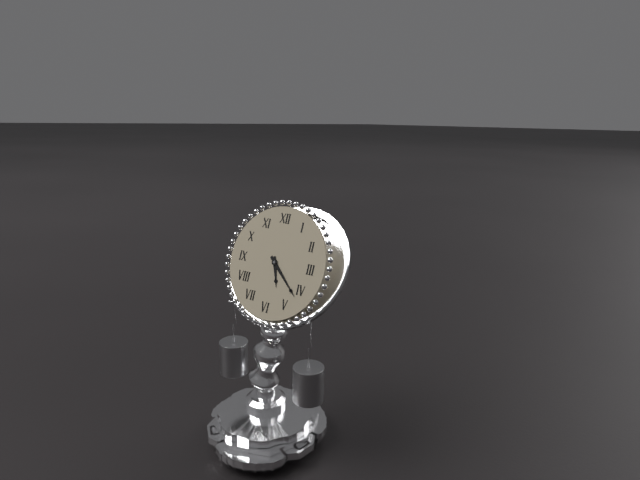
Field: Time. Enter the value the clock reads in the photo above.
5:22
